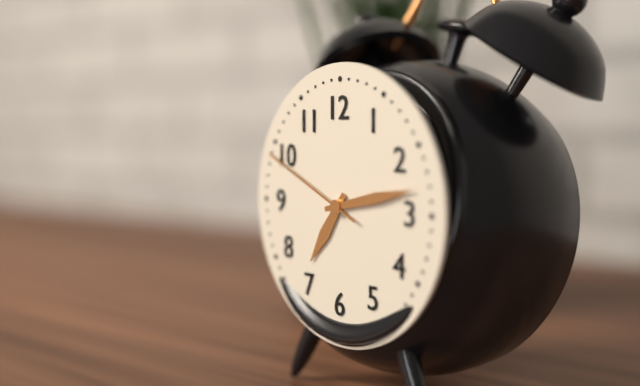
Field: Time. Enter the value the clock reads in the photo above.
7:13:49
